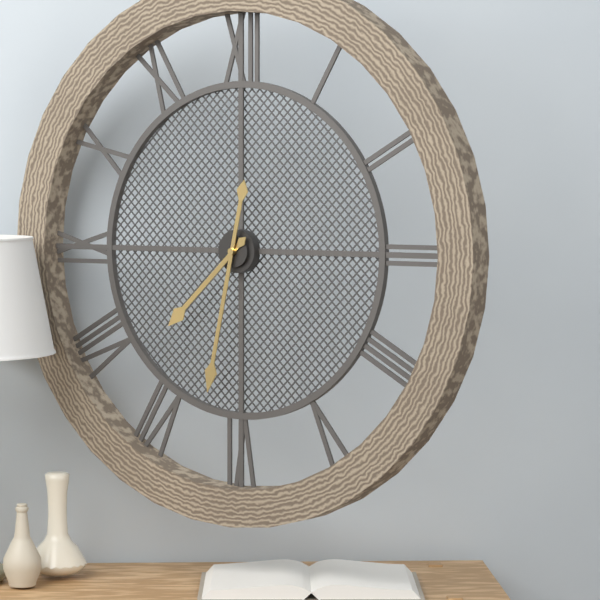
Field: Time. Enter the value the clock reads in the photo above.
7:32
